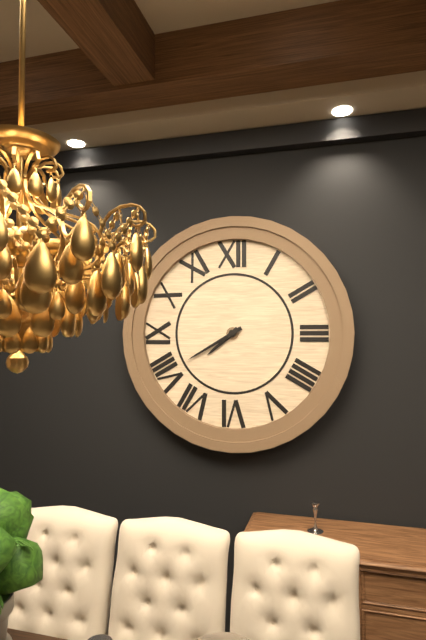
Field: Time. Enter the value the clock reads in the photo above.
7:40
